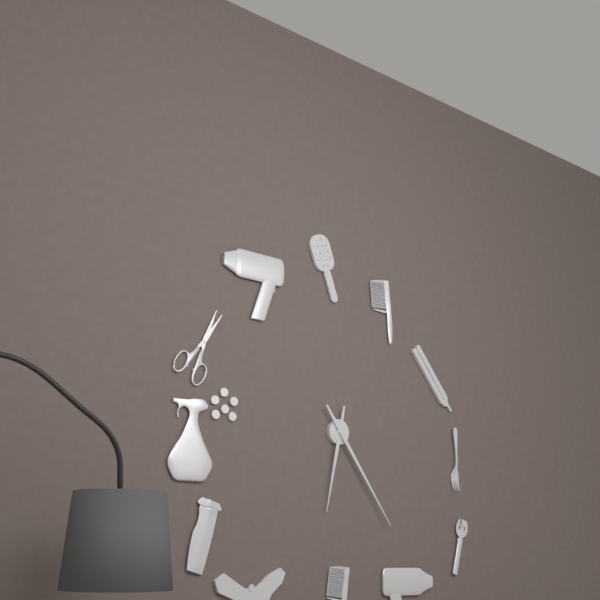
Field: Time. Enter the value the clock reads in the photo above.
6:24
